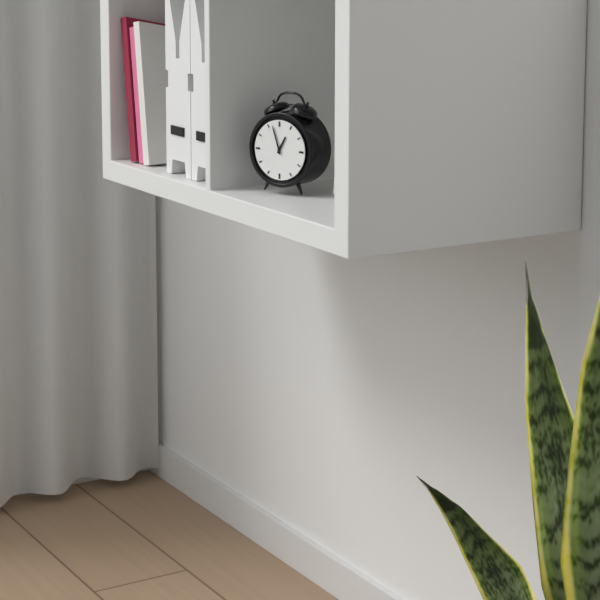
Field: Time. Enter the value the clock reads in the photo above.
12:57
